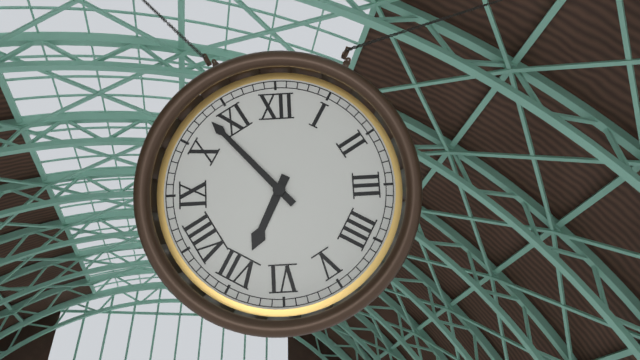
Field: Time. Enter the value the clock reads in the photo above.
6:53
